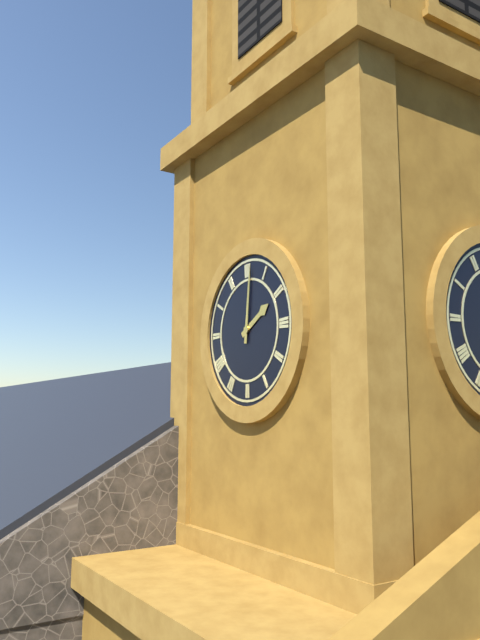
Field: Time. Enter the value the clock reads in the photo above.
2:01
